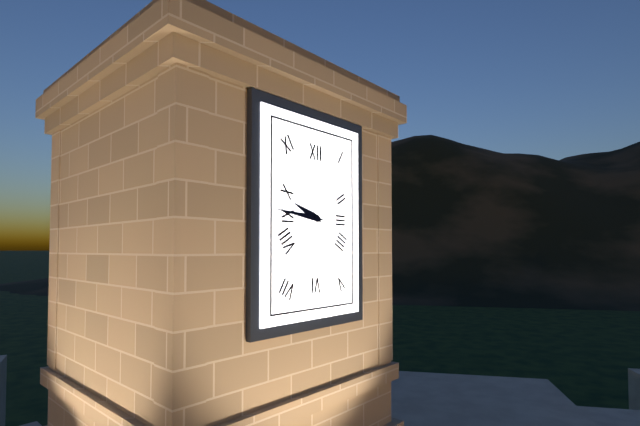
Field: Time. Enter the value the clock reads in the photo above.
9:46
